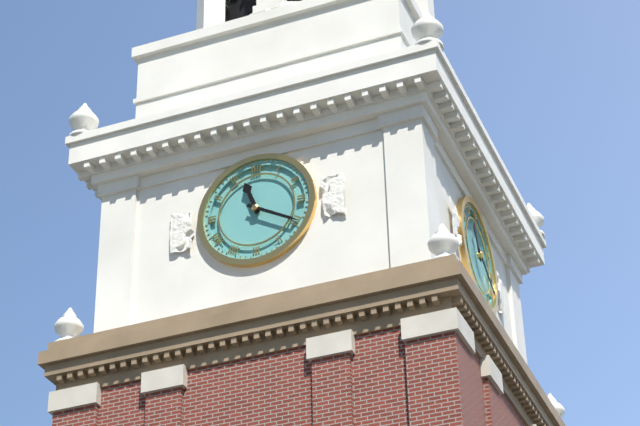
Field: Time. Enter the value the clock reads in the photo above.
11:20
